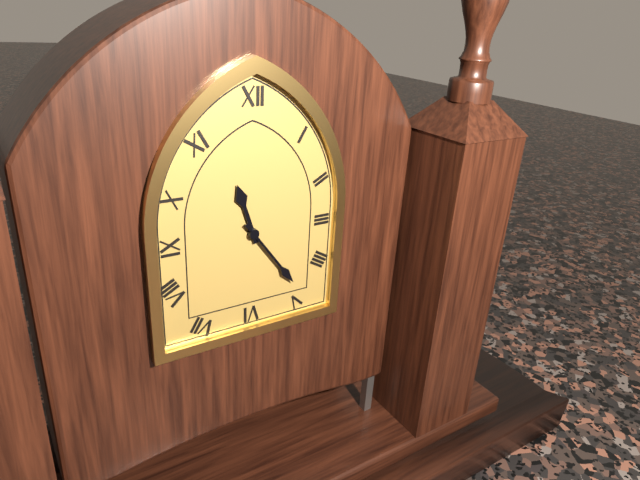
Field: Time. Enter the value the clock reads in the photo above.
11:24
